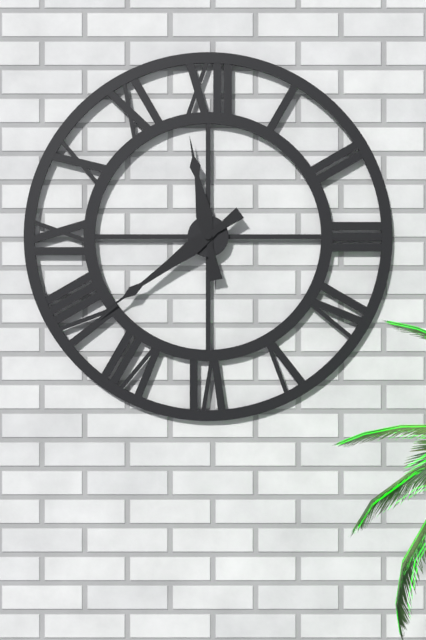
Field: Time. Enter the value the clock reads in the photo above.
11:39
